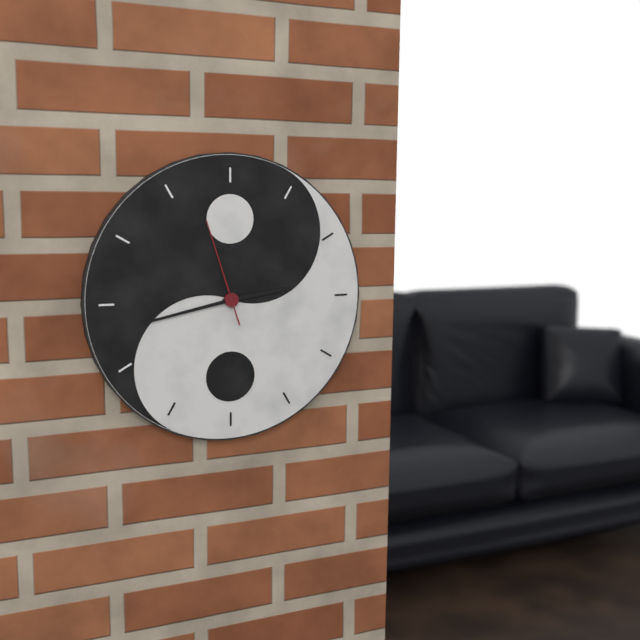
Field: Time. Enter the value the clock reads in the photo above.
2:43:57
